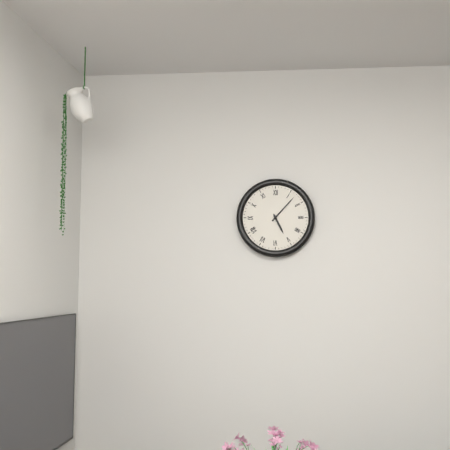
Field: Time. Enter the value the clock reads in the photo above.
5:07
